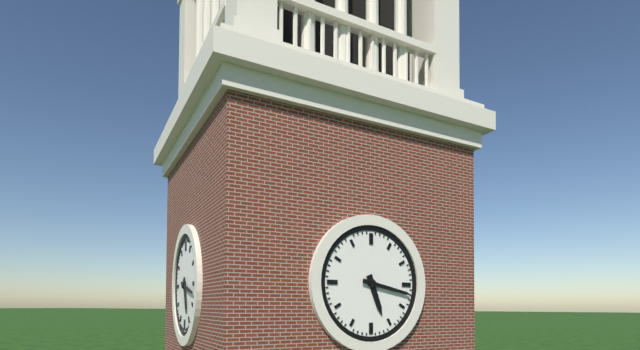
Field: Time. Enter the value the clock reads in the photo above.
5:17
